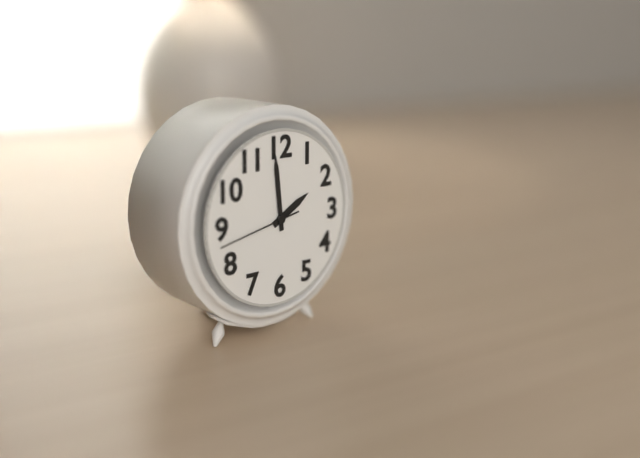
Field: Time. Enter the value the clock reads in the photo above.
1:59:43
